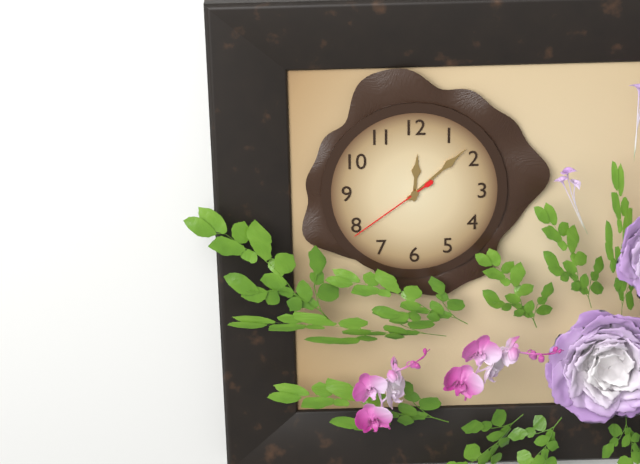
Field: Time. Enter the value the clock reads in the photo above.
12:08:39
